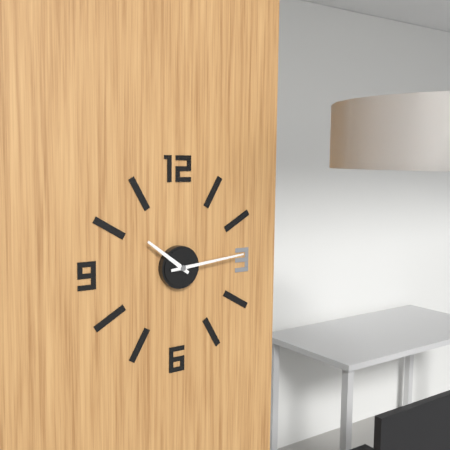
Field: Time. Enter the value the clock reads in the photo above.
10:14
